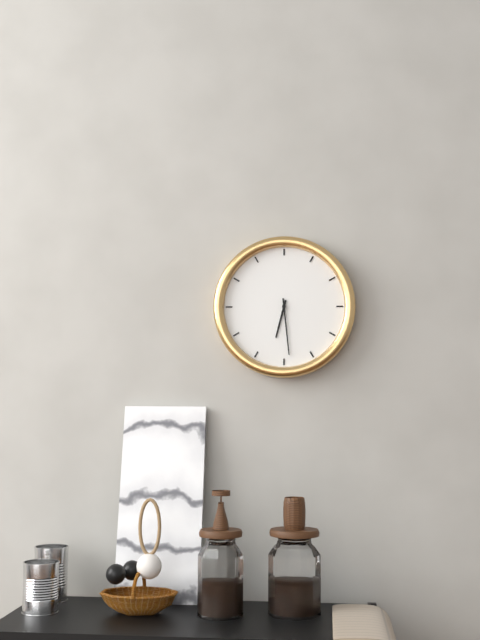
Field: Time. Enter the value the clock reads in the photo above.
6:29
